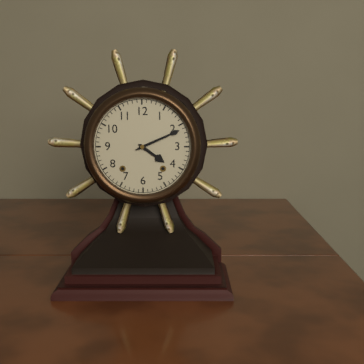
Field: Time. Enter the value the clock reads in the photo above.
4:11
